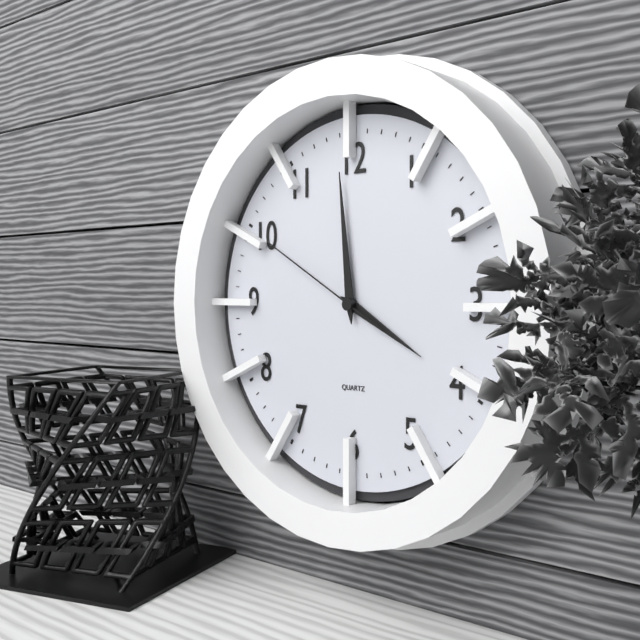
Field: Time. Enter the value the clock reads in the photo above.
3:59:50
